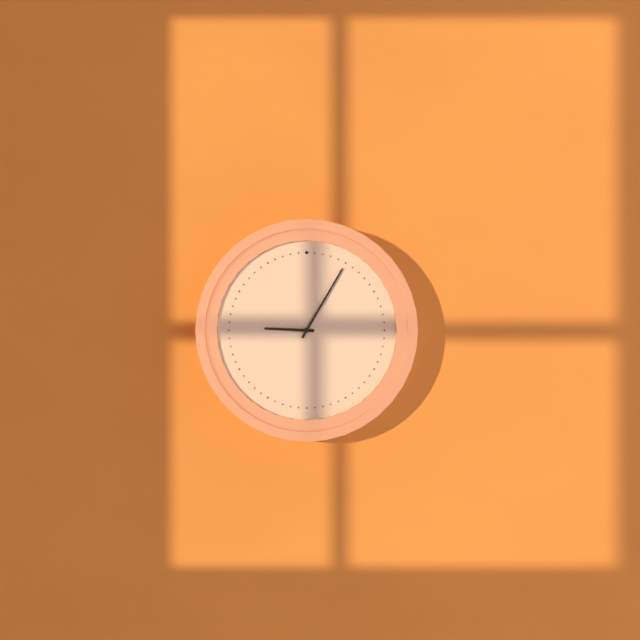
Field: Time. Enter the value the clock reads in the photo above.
9:05
